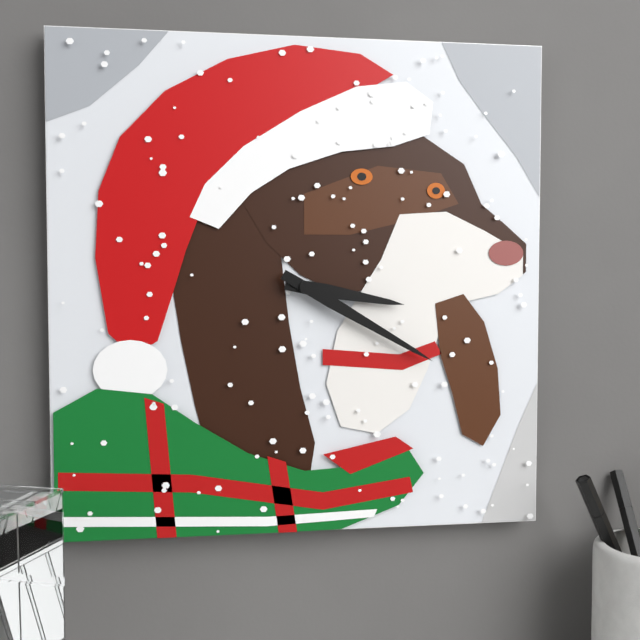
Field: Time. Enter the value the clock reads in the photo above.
3:20
